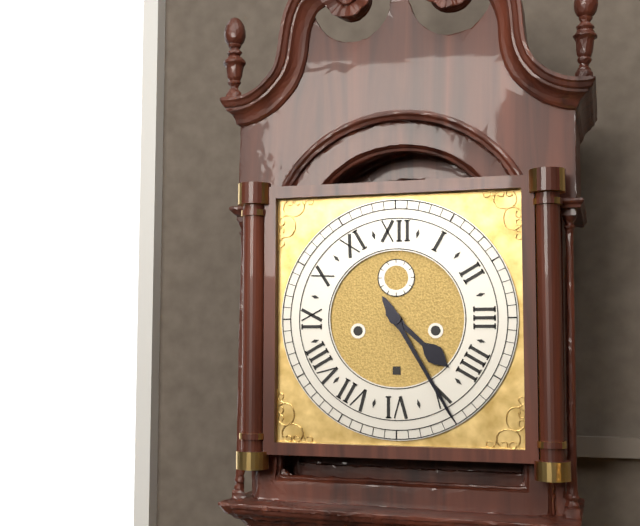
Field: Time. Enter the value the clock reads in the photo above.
4:25
